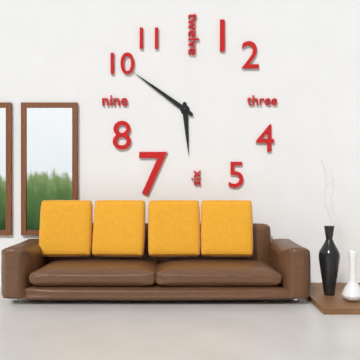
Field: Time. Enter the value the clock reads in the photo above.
5:51
